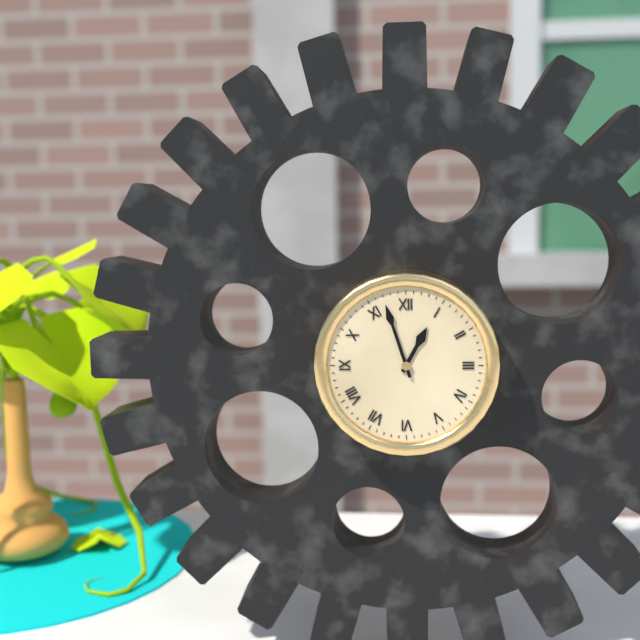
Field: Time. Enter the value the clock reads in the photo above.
12:57
